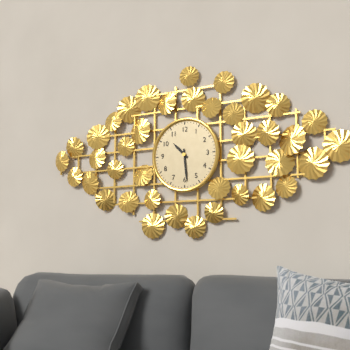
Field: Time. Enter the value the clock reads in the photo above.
10:29
